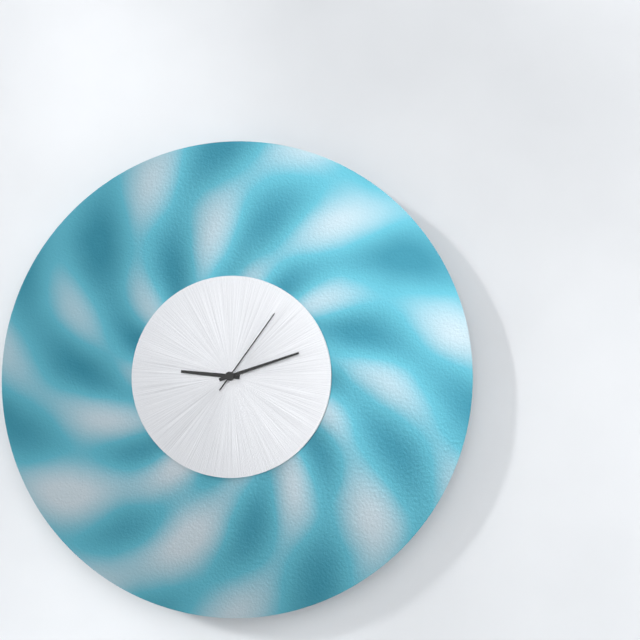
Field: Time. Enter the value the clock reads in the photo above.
9:12:06
